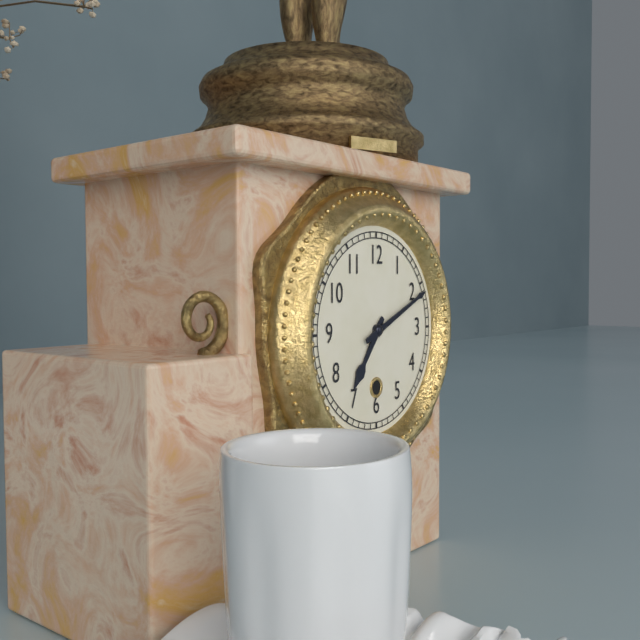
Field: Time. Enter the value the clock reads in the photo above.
7:11
